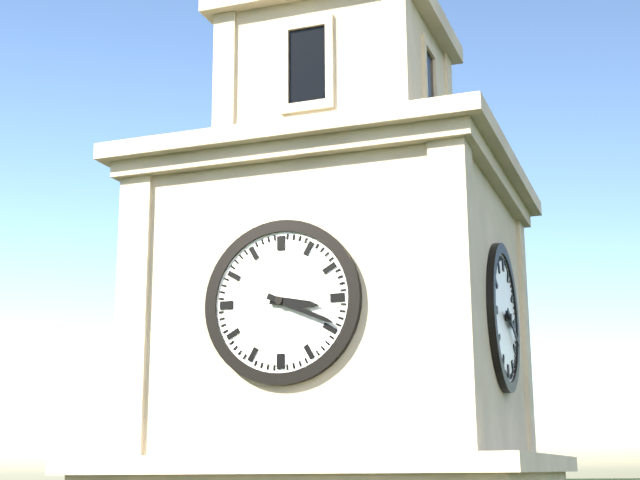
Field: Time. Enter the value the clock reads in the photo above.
3:19
